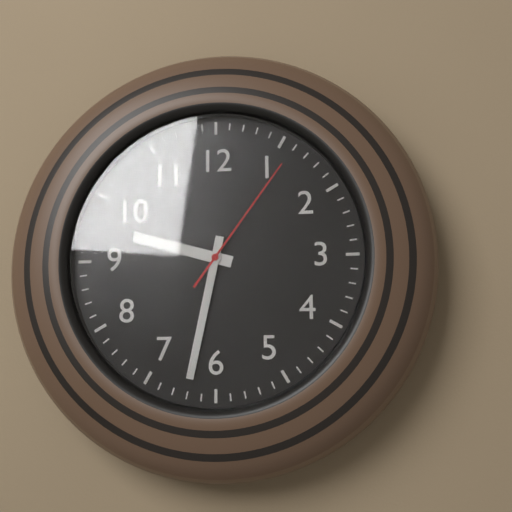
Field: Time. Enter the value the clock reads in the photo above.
9:32:06
